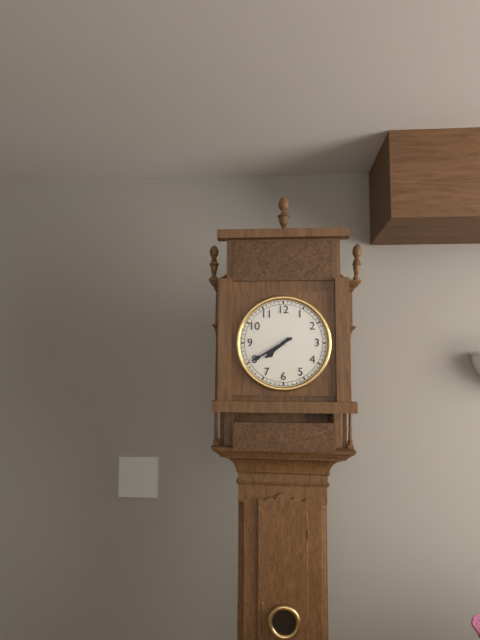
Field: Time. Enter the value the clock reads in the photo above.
7:40
